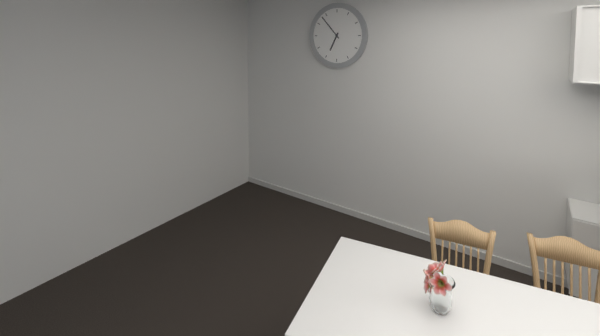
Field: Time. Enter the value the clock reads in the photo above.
6:53
